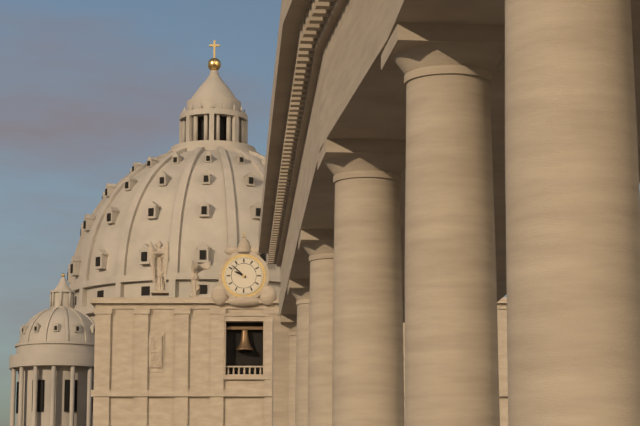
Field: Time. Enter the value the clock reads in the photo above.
9:52
